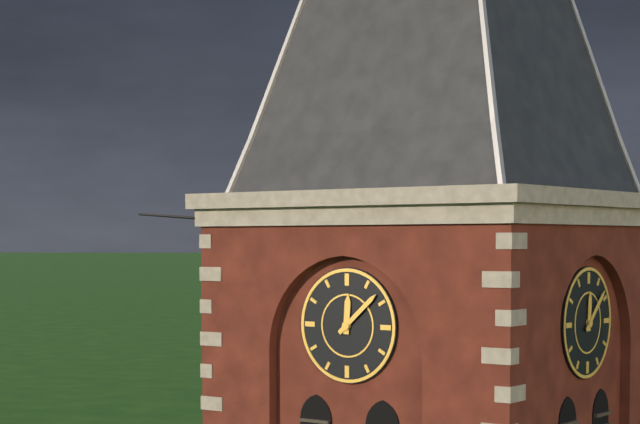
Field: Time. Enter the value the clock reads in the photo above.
12:08
